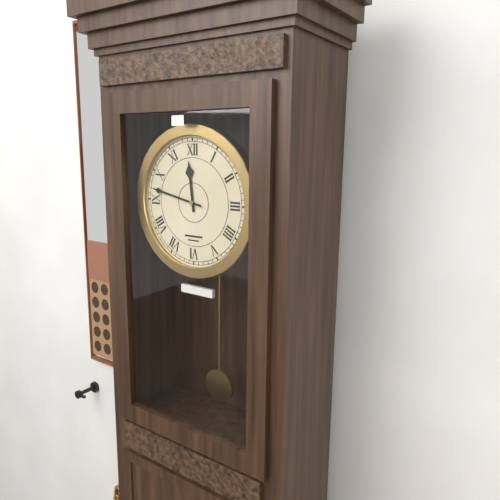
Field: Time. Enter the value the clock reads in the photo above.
11:47
